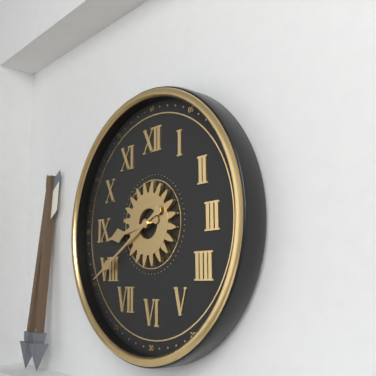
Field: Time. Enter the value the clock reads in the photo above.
8:40
